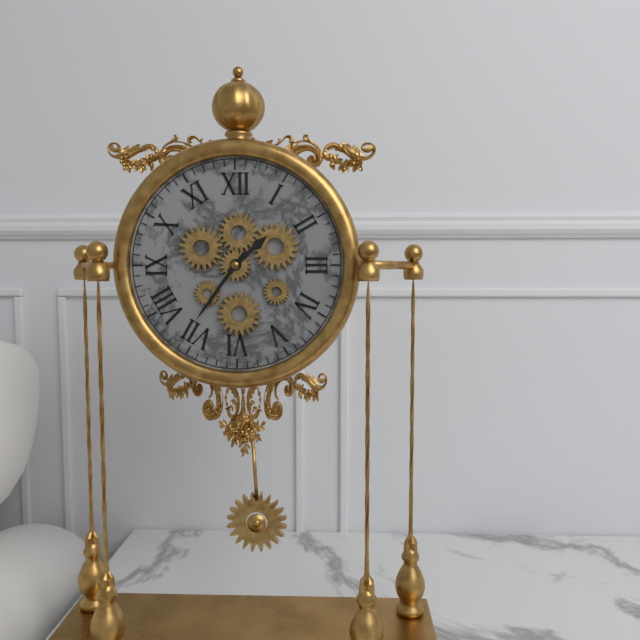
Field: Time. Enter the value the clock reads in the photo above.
1:36
